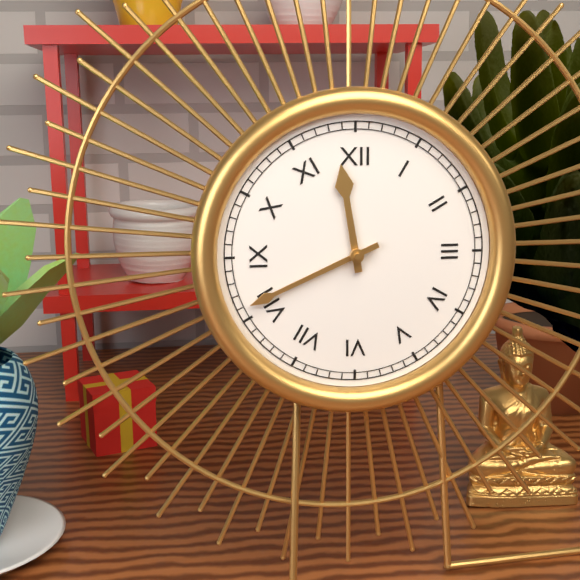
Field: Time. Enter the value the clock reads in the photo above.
11:41
